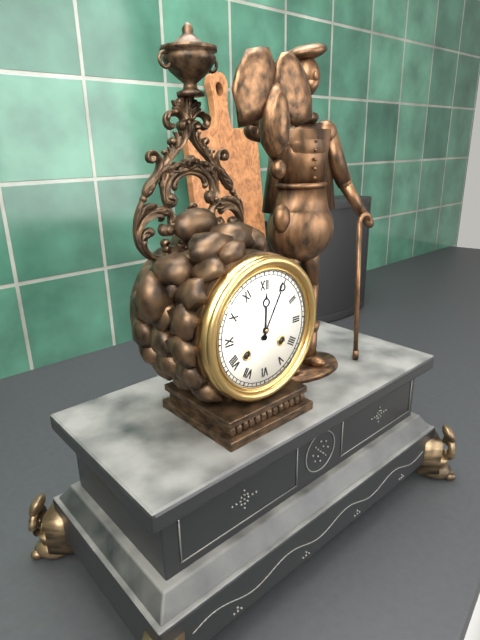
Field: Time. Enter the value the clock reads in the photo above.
12:05
